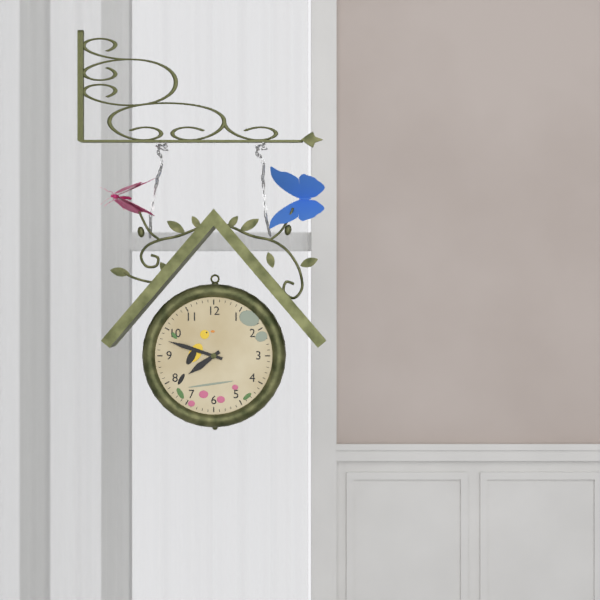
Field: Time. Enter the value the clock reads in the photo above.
7:48
